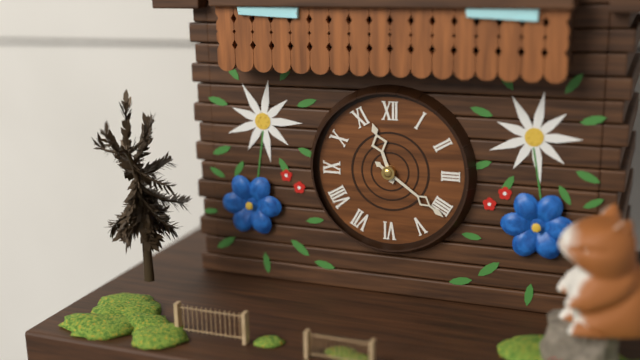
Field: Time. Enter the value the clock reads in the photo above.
11:21
